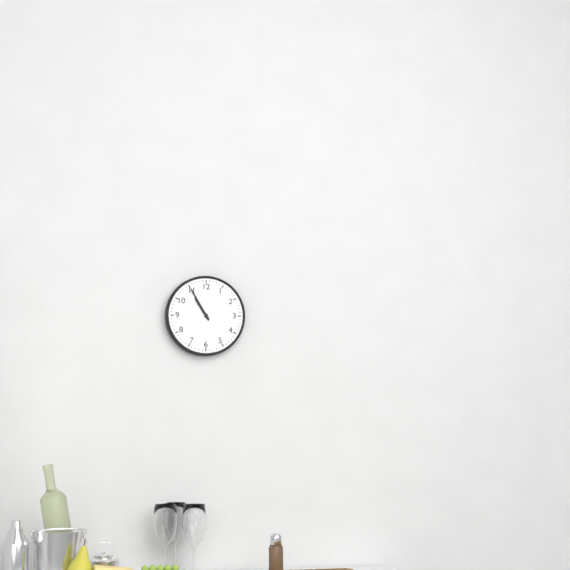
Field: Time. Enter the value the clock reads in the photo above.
10:55
